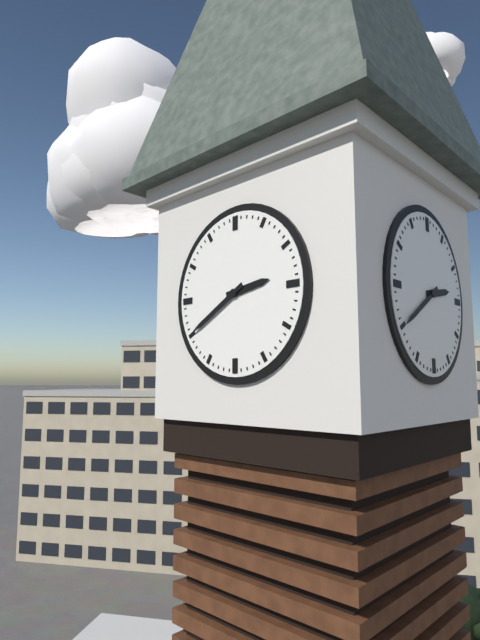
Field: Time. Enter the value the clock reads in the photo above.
2:40
